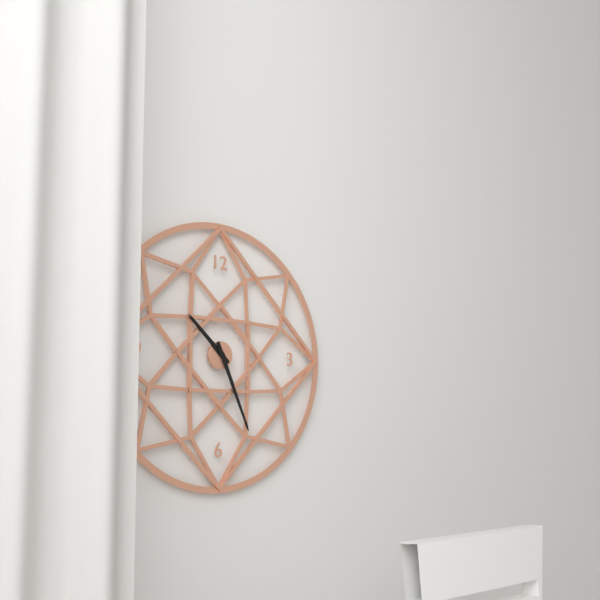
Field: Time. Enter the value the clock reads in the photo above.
10:26
